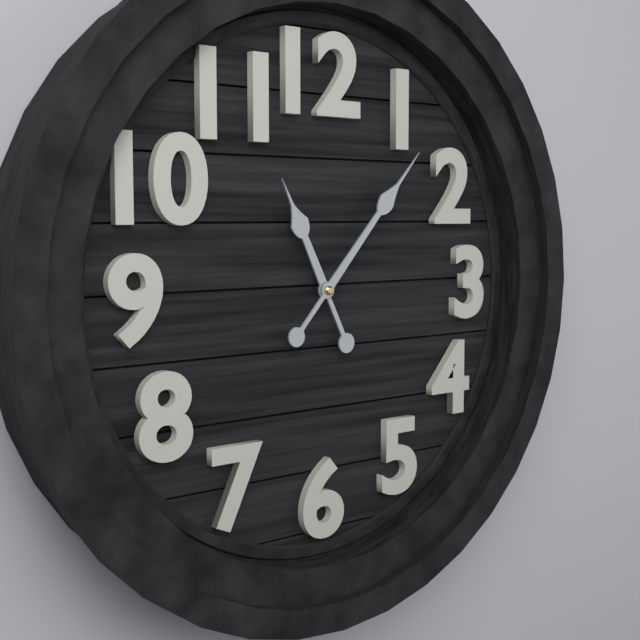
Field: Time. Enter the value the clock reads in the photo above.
11:07
